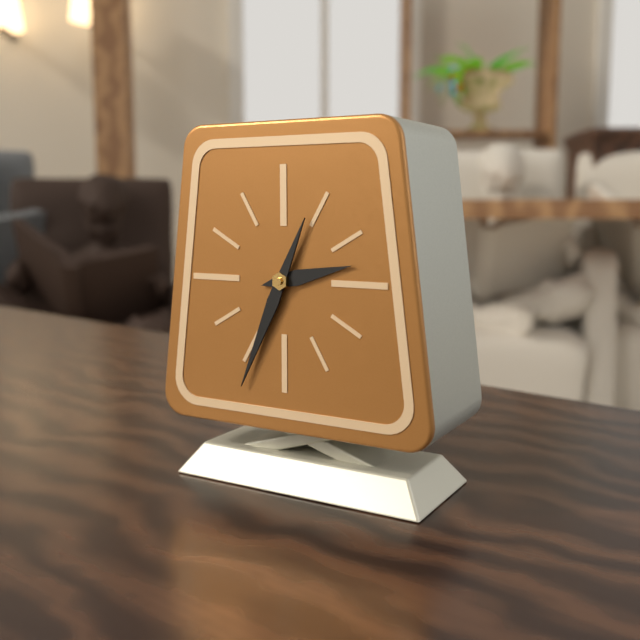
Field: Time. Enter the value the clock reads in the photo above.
2:34
